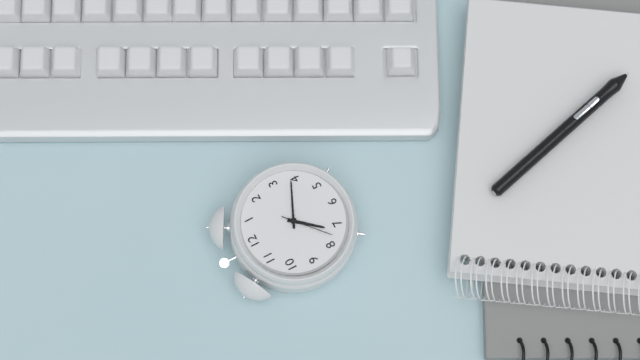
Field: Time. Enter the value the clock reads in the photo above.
7:19:38
